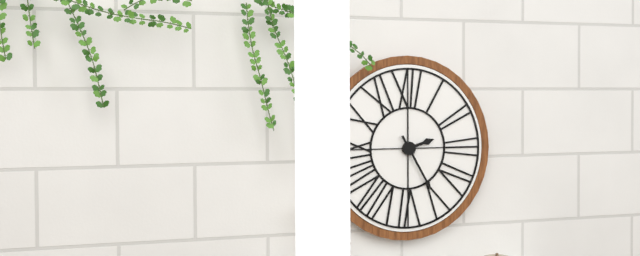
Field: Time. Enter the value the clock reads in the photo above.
2:25
